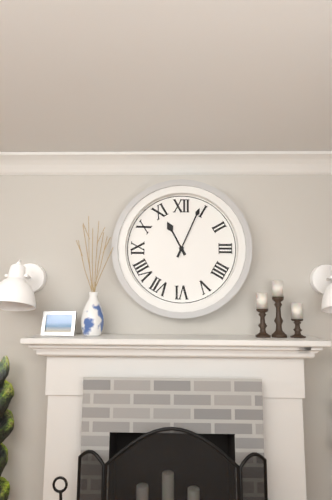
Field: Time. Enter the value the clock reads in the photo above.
11:04
